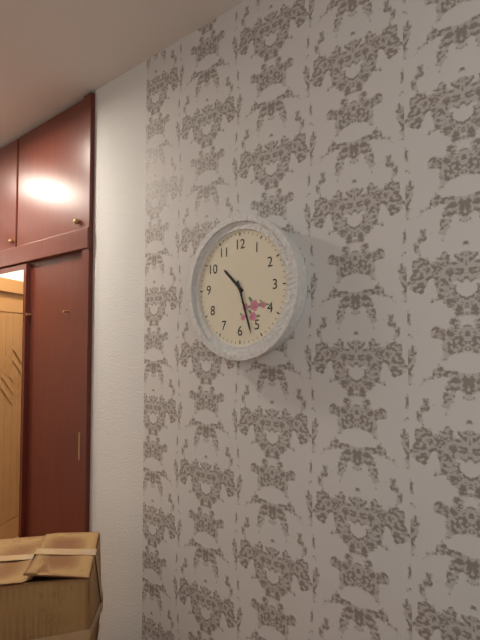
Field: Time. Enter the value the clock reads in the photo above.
10:27
